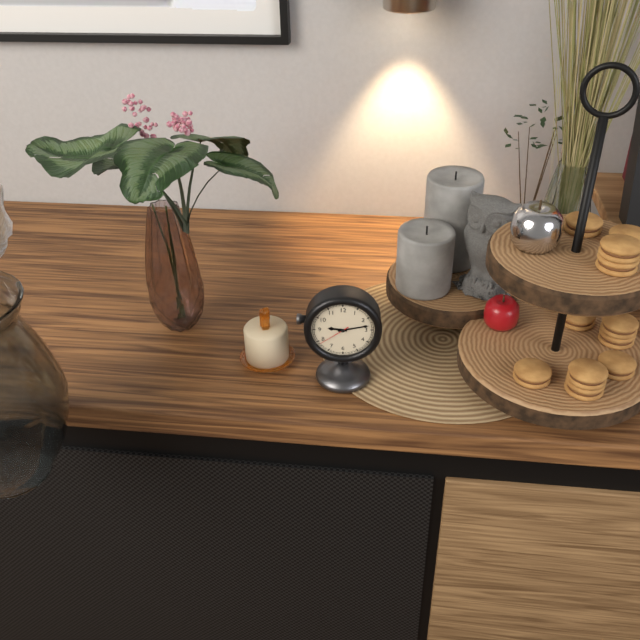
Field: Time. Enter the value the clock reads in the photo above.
9:13
